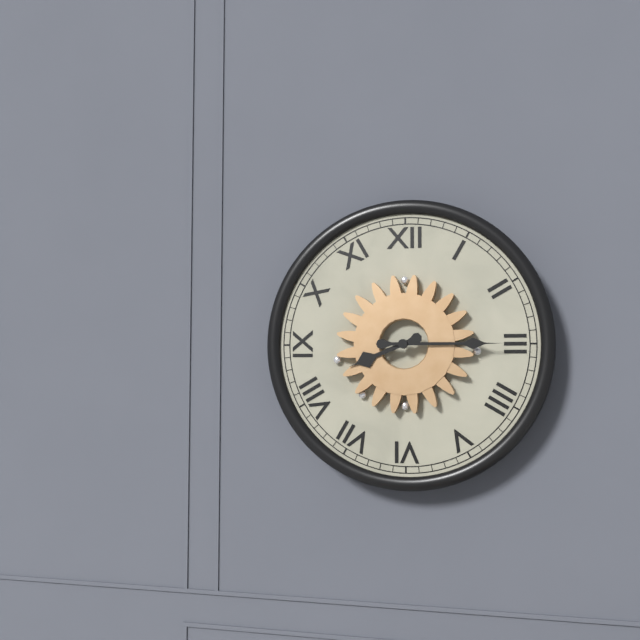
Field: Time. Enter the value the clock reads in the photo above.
8:15
